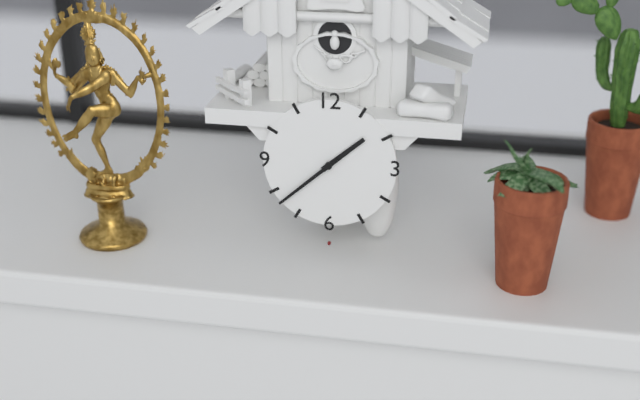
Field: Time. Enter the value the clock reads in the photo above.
1:38
